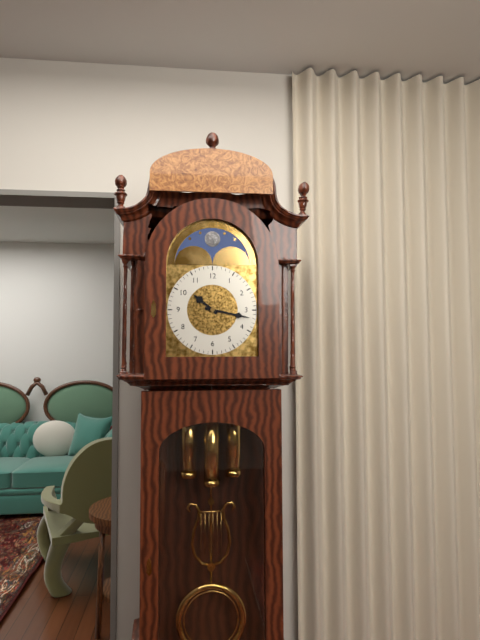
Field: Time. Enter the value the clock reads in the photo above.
10:17
